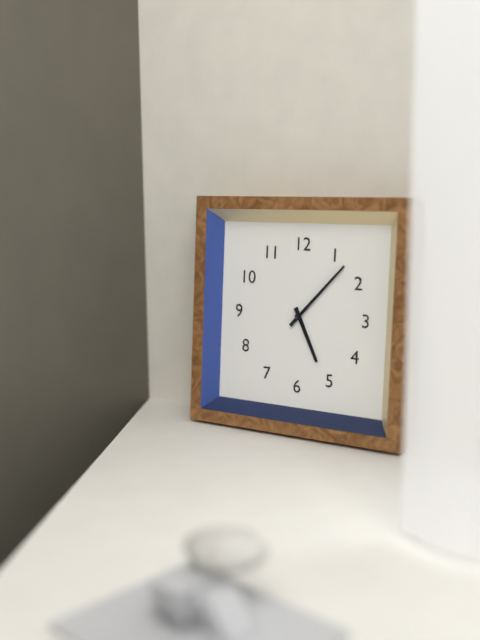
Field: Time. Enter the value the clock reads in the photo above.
5:07
